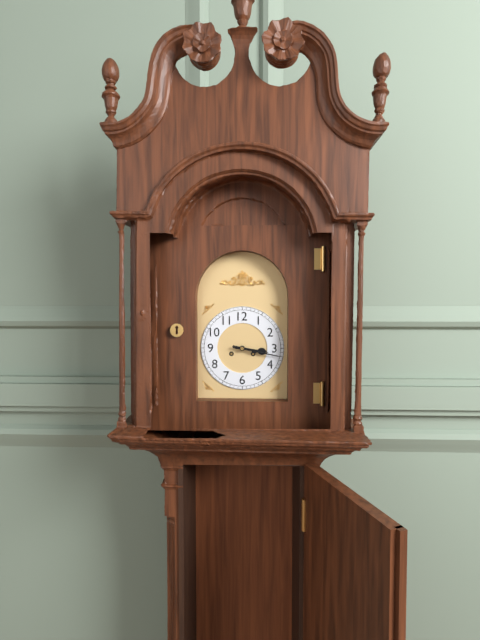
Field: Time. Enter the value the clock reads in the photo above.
3:17
